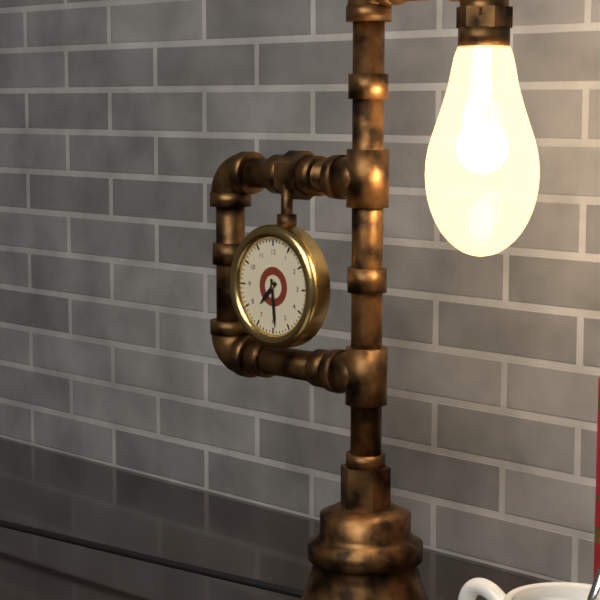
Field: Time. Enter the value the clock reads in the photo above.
7:29
